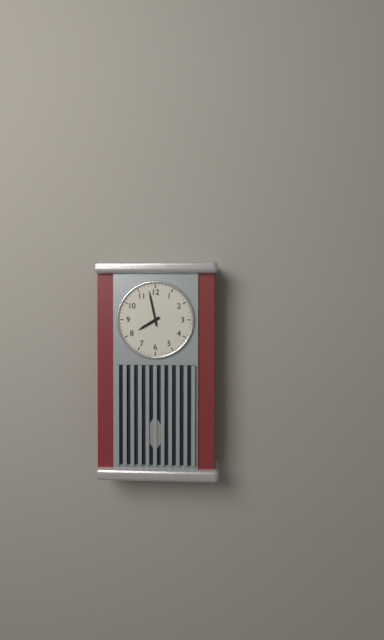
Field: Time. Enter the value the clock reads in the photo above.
7:58
